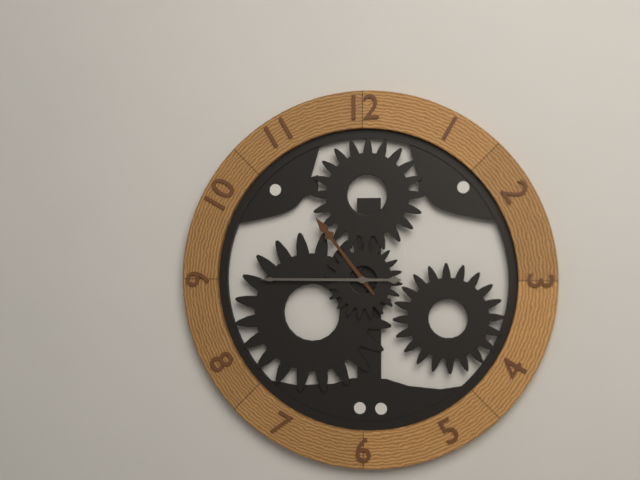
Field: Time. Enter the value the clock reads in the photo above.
10:45
